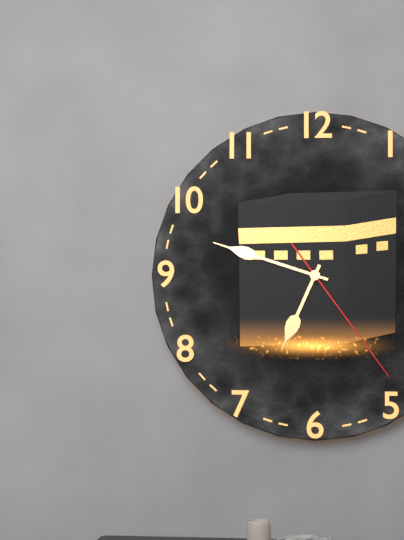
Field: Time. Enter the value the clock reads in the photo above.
6:48:24
